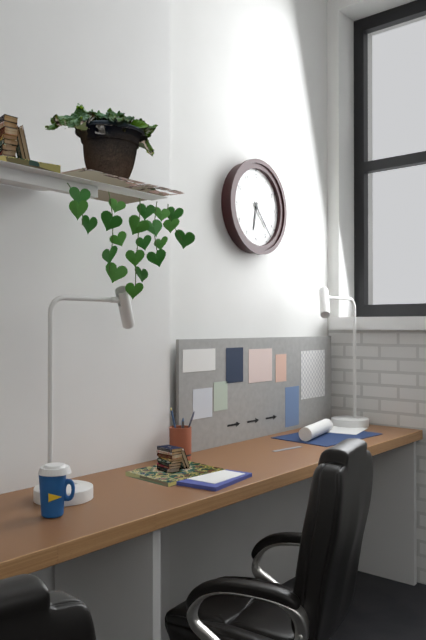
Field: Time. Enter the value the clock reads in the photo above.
6:23
